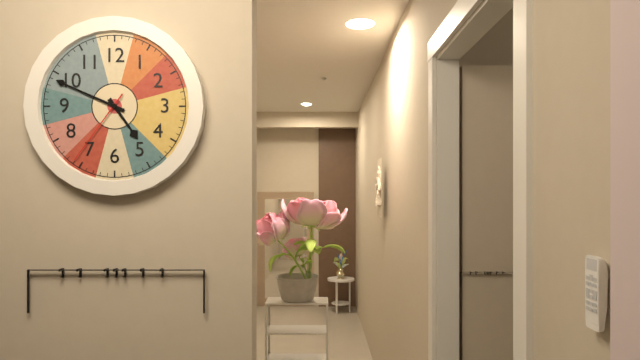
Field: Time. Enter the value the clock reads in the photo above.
4:49:36
